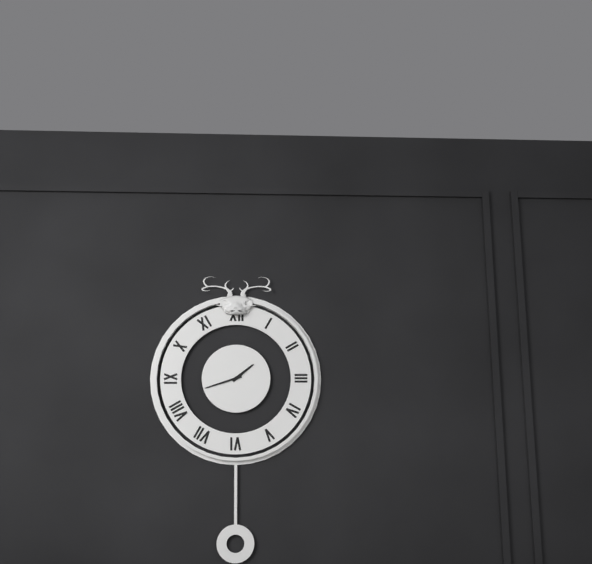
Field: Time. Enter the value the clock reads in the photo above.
1:42
